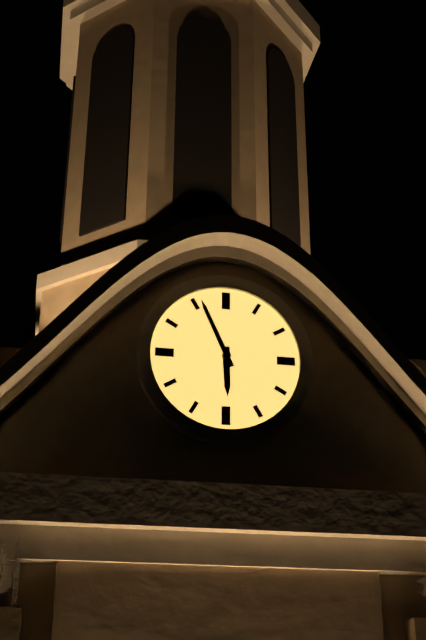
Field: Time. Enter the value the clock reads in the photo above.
5:56
